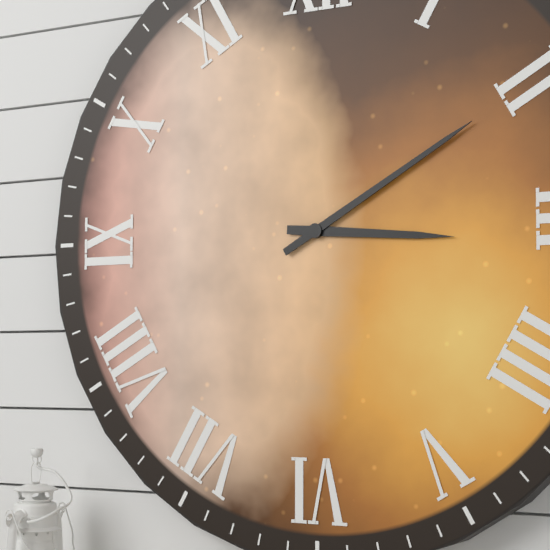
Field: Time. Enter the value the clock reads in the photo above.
3:10
